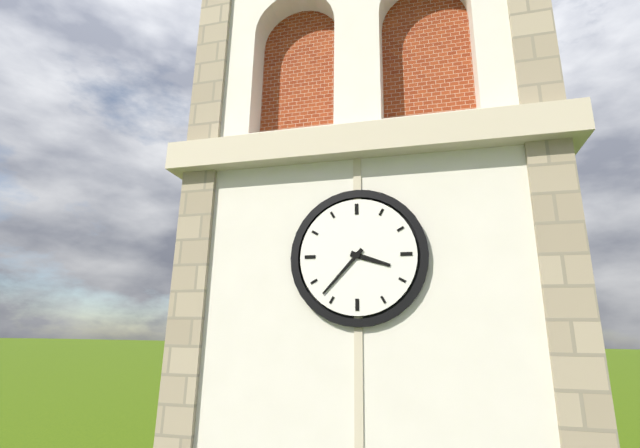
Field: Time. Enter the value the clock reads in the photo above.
3:37
